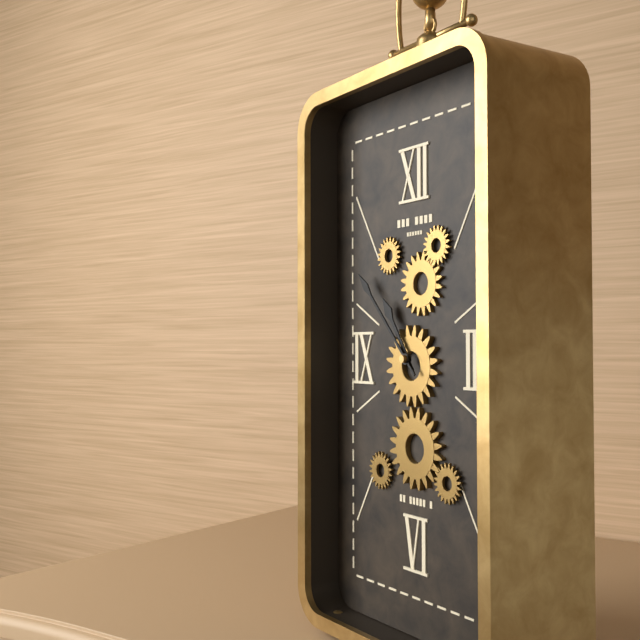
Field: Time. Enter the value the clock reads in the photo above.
10:53
